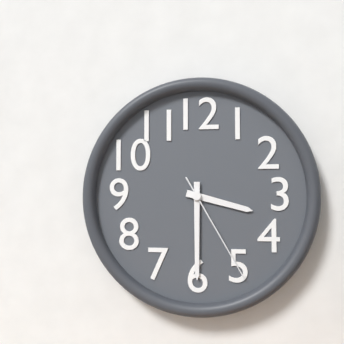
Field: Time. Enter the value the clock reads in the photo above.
3:30:25
